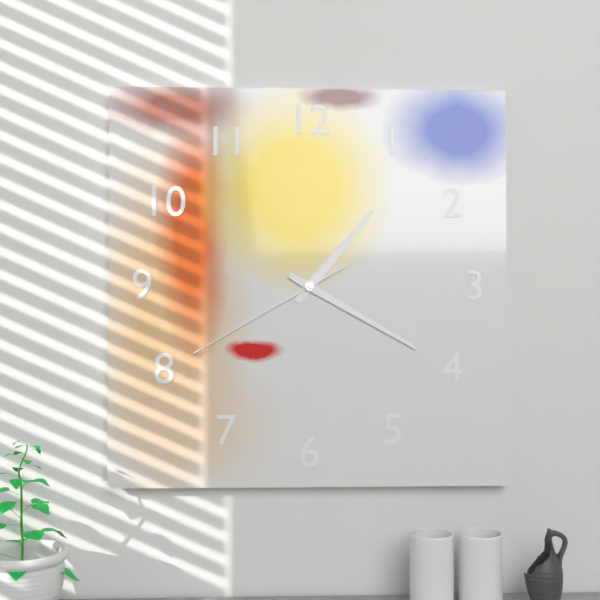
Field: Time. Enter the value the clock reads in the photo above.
1:20:40
